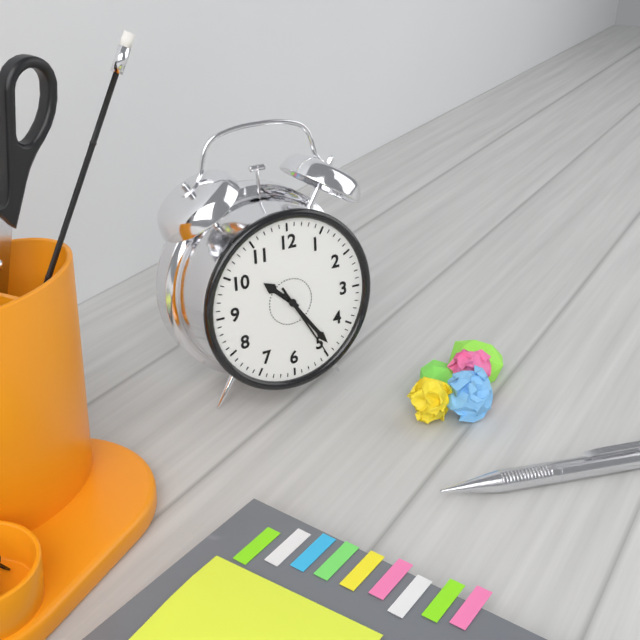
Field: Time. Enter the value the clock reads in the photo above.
10:24:25
